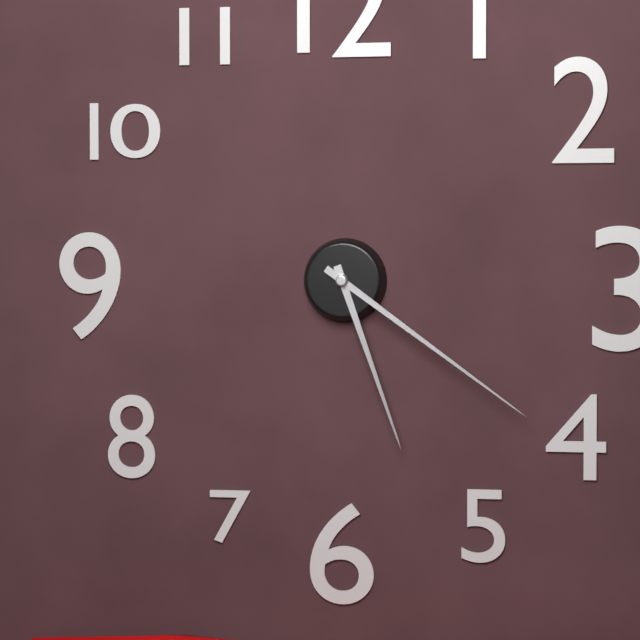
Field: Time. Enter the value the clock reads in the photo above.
5:21
